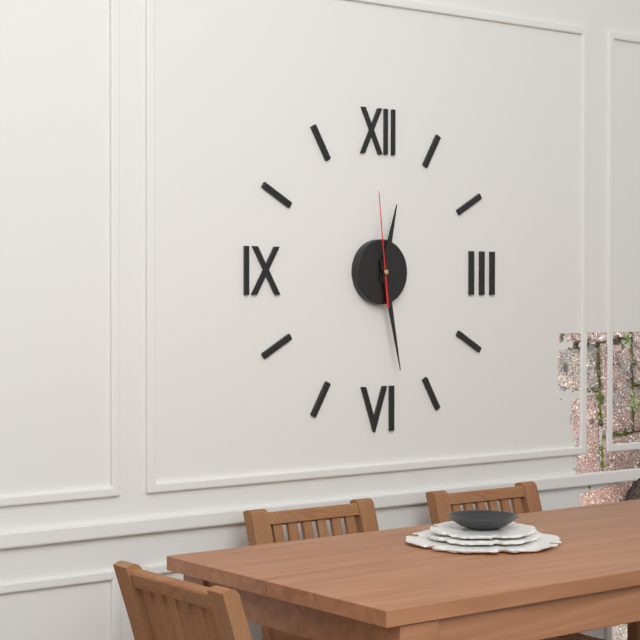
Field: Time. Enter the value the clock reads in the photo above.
12:28:59
